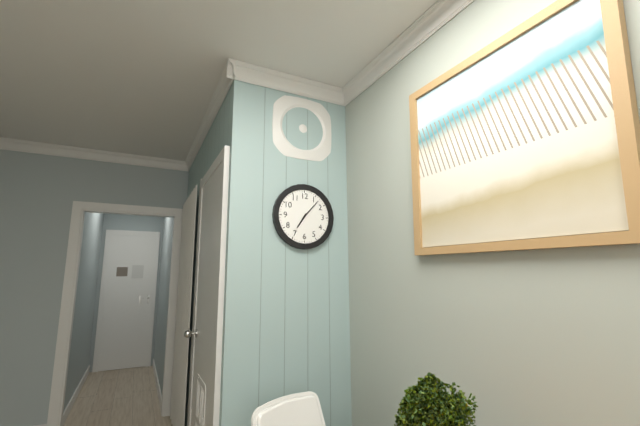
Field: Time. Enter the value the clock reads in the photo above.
7:07
